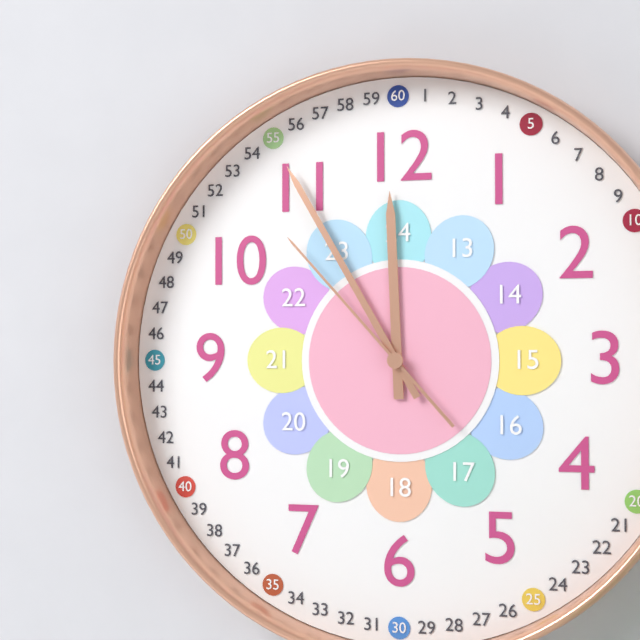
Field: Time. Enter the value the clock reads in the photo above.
11:55:53
